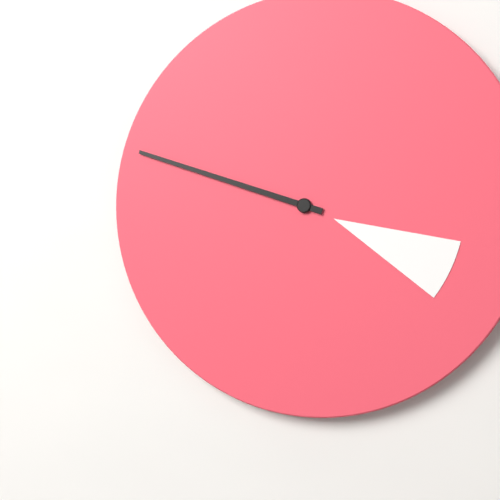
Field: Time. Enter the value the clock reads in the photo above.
3:48
